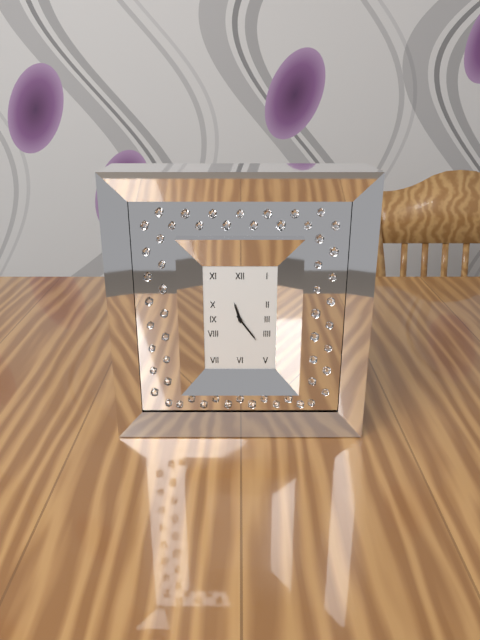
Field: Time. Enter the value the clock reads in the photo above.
11:24
